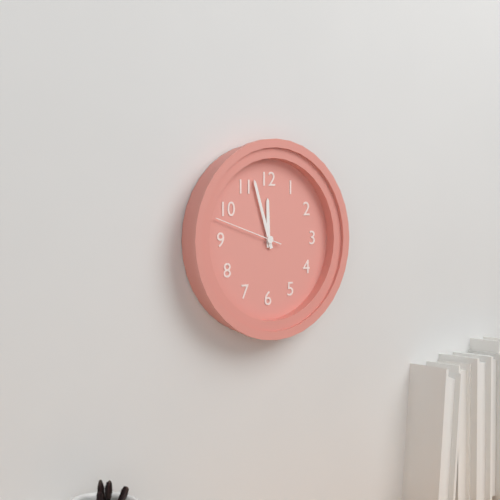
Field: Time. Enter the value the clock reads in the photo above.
11:57:48
